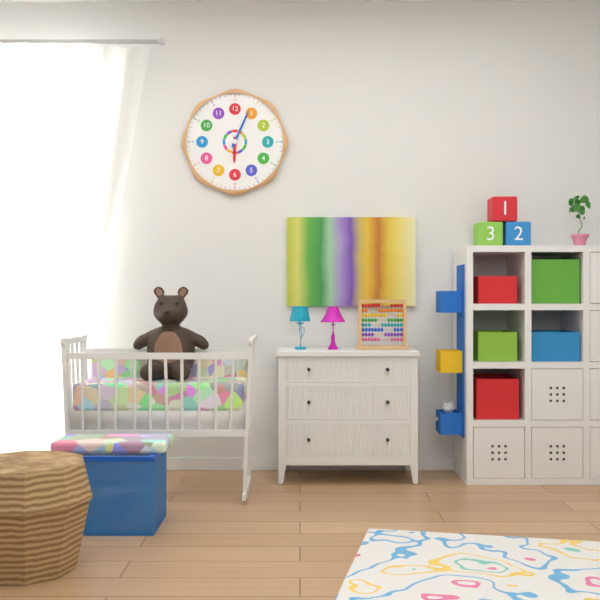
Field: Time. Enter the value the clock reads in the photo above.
6:04
